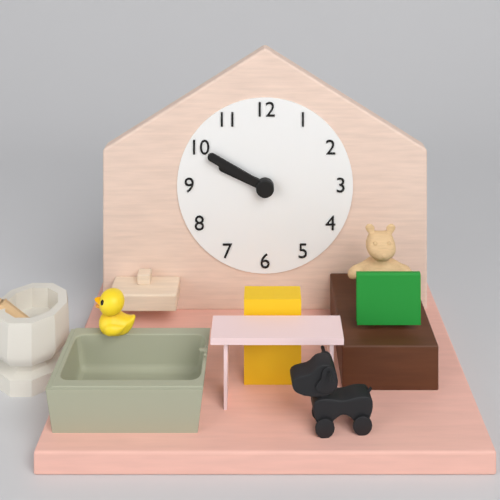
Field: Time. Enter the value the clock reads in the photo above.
9:50
